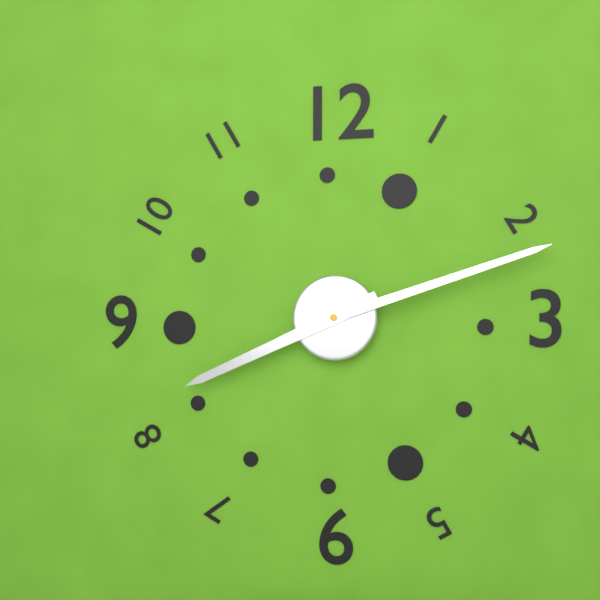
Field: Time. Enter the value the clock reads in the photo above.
8:12
